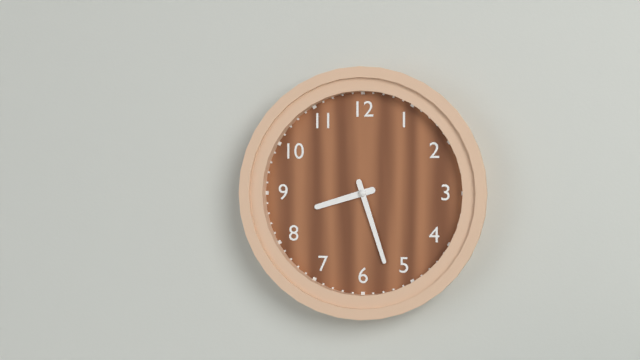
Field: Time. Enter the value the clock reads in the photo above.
8:27
